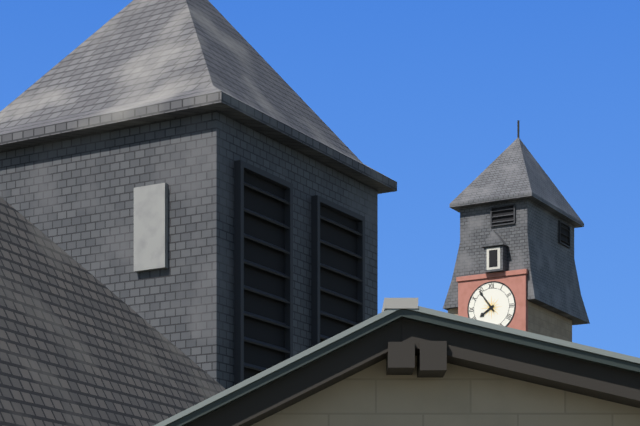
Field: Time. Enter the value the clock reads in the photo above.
7:54
